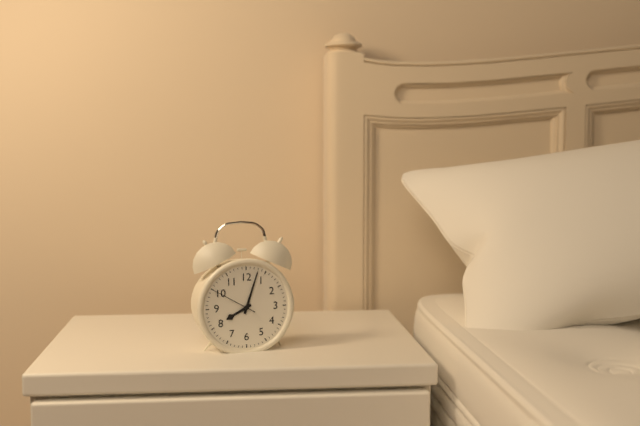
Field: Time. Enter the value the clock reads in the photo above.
8:03
